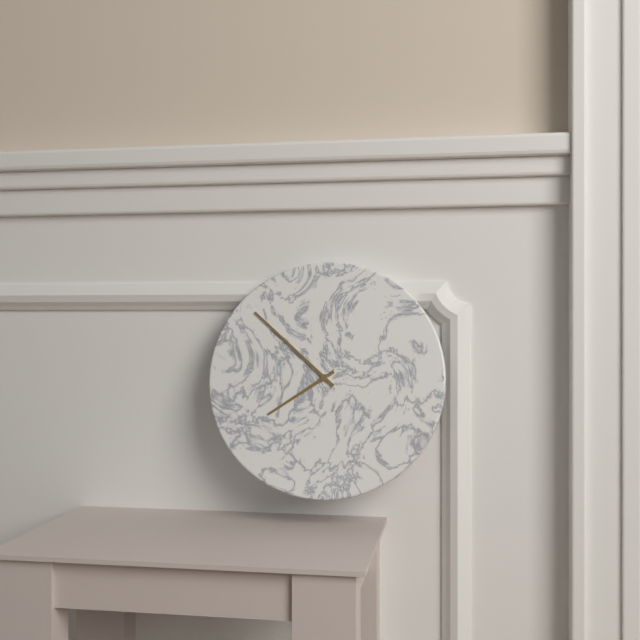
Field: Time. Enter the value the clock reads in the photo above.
7:52
